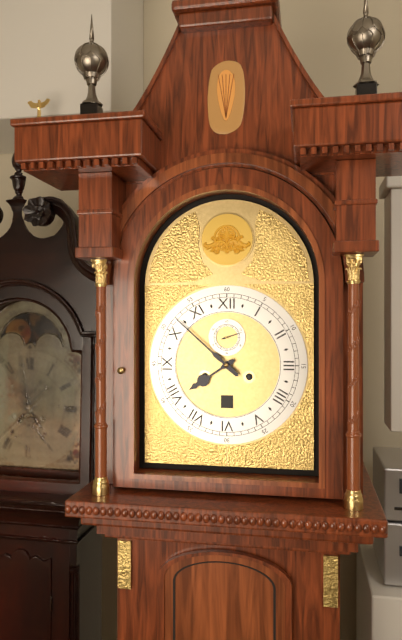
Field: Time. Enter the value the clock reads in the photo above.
7:52
